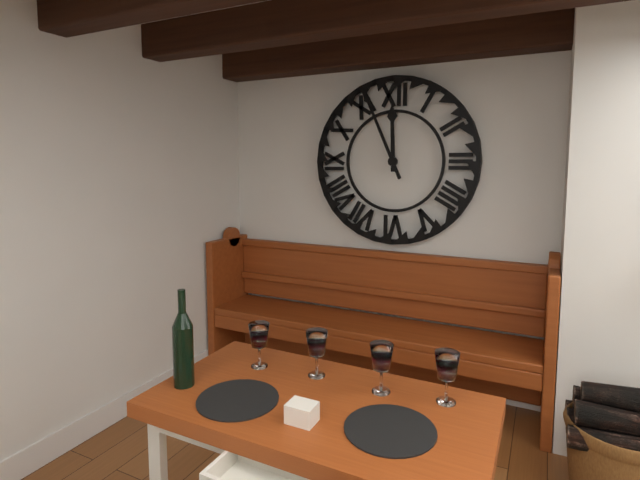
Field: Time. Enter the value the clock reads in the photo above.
11:56
